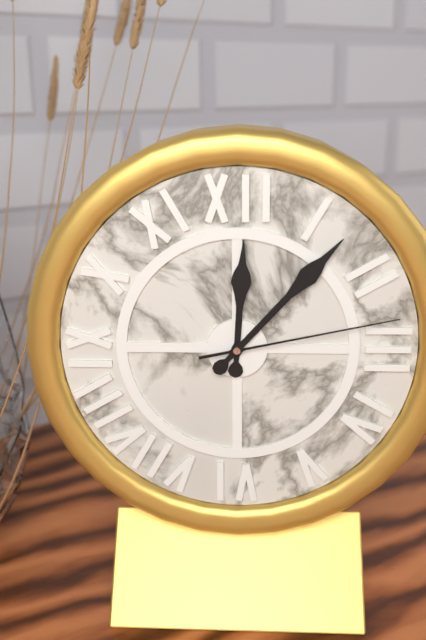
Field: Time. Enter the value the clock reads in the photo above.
12:07:13
